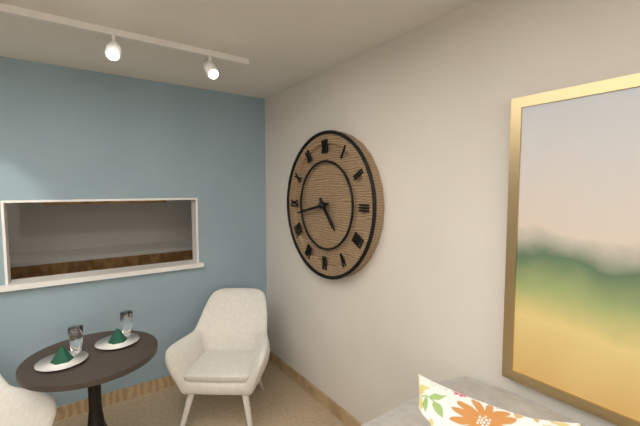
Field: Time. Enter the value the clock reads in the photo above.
4:43
